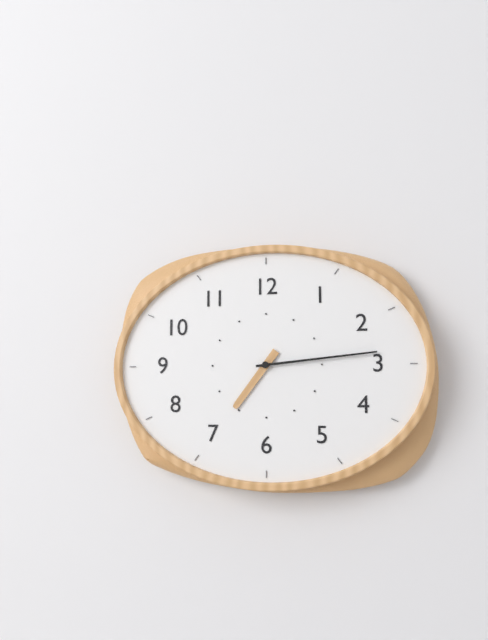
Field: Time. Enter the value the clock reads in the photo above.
7:14
